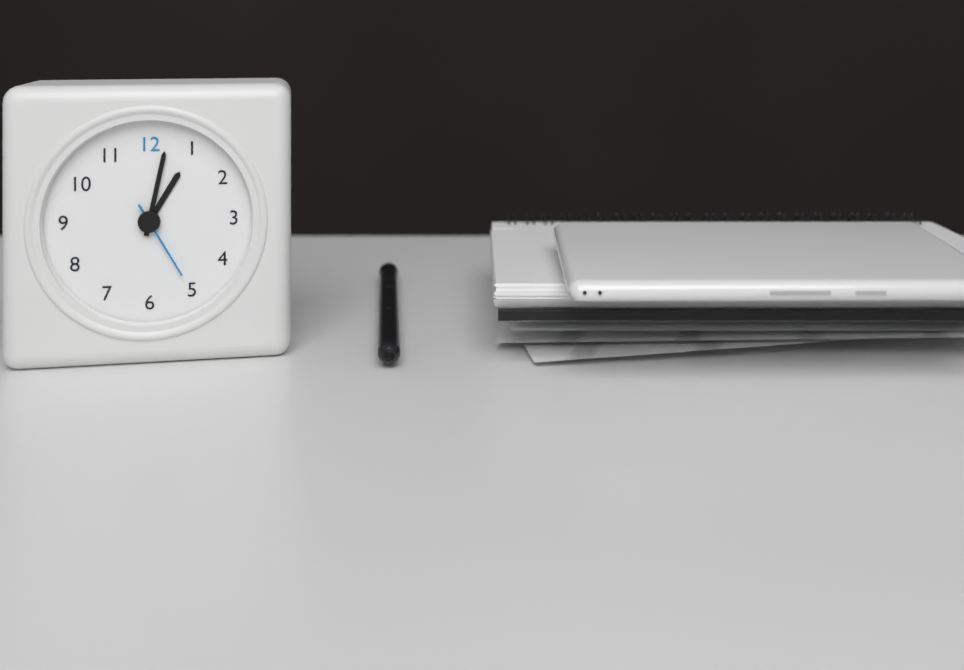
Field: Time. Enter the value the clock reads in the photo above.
1:02:25
